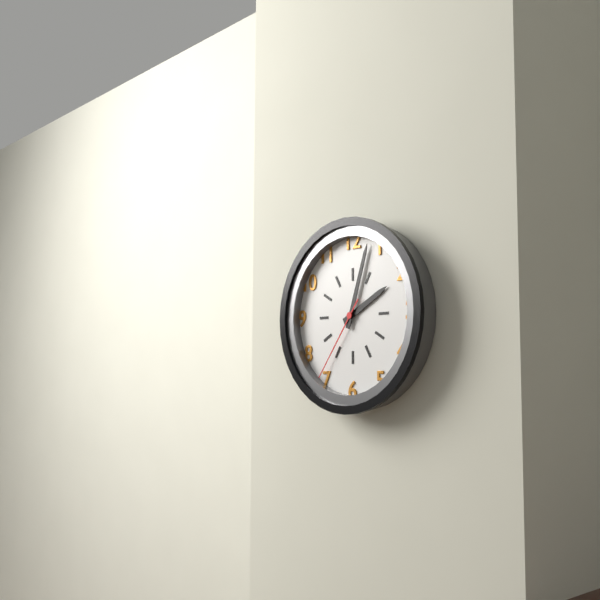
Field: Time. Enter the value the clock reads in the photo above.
2:03:36
